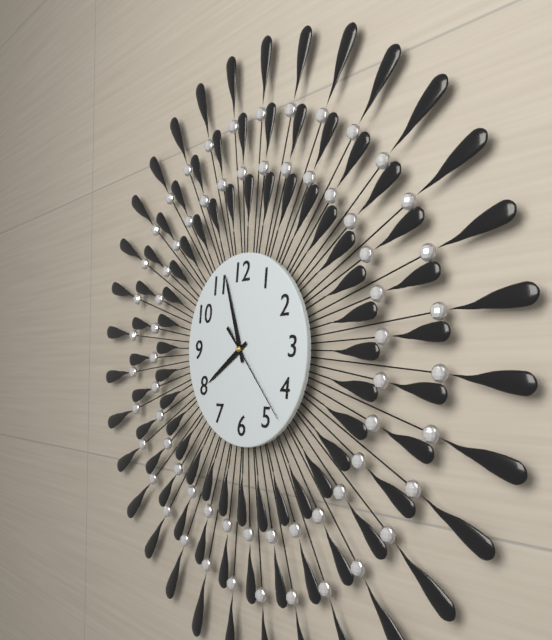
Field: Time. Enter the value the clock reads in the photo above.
7:57:23
